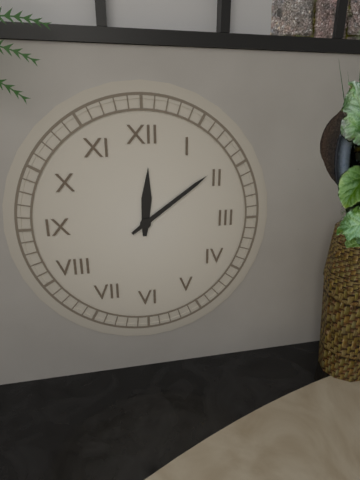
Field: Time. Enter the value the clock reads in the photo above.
12:09
